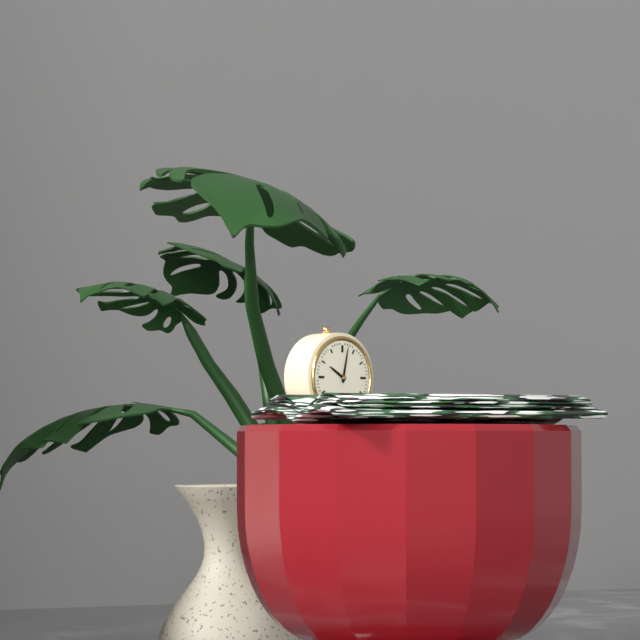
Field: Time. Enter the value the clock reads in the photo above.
10:02
